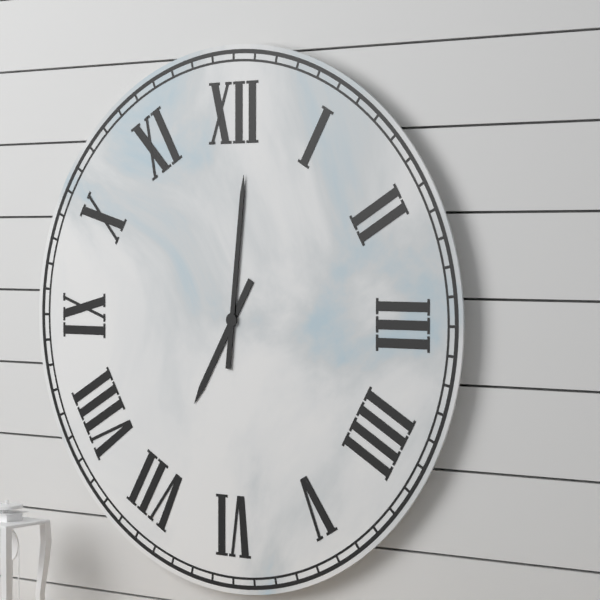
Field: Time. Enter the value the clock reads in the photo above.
7:01
